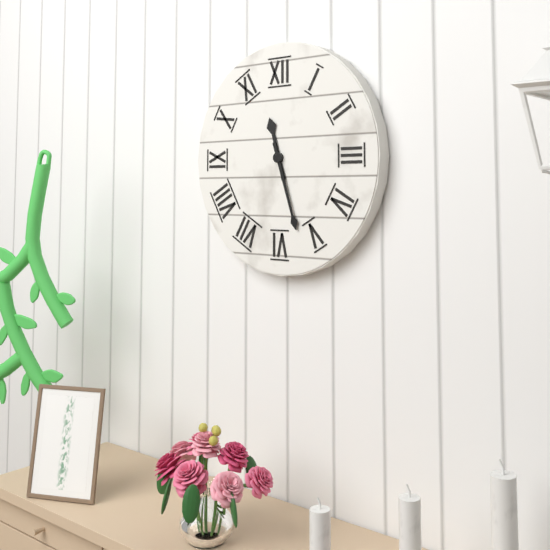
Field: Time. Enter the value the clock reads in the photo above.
11:27
